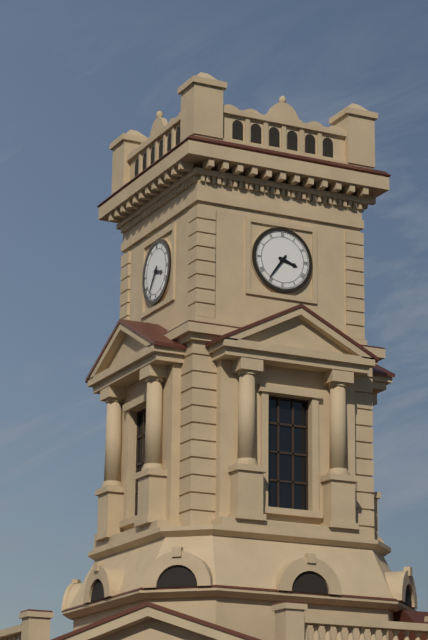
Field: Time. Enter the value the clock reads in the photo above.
3:36
